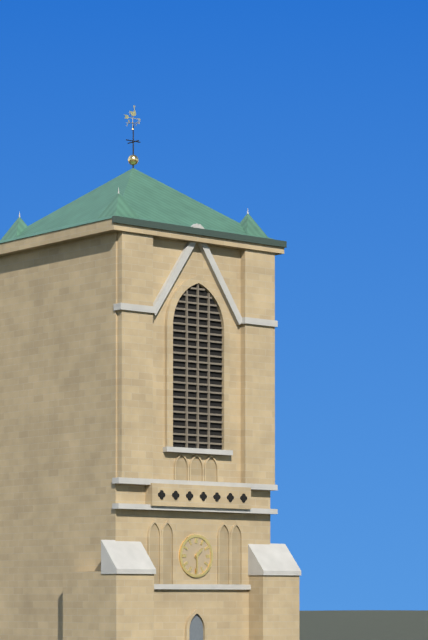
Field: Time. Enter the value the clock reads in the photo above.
1:30
